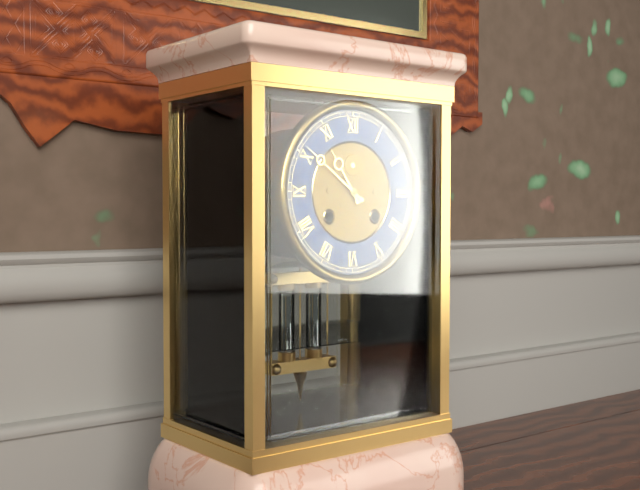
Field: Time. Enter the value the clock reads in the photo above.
10:51
